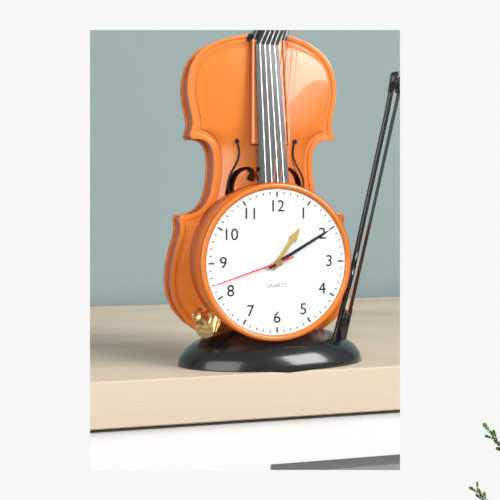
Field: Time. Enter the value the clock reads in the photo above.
1:10:42
